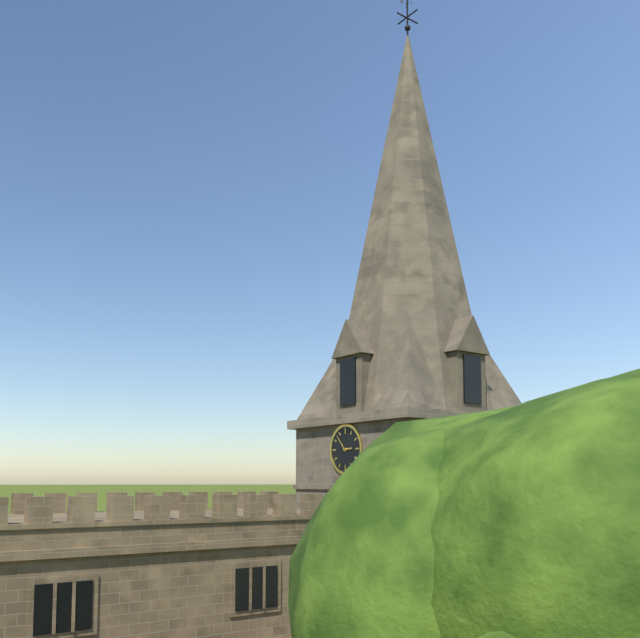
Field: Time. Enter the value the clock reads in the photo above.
2:53
